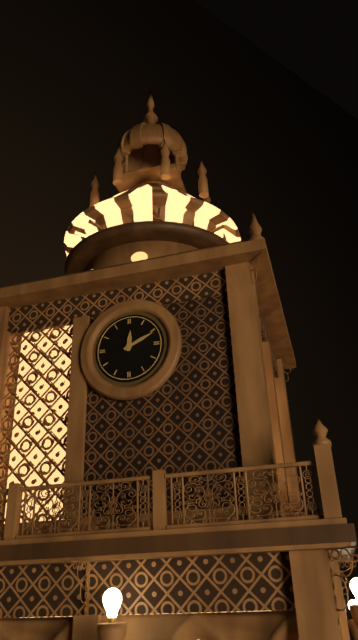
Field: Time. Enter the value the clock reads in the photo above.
12:11
